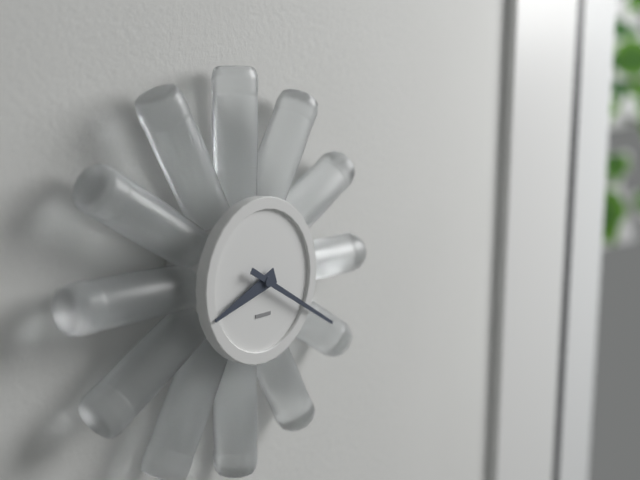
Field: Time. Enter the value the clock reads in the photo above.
8:20
